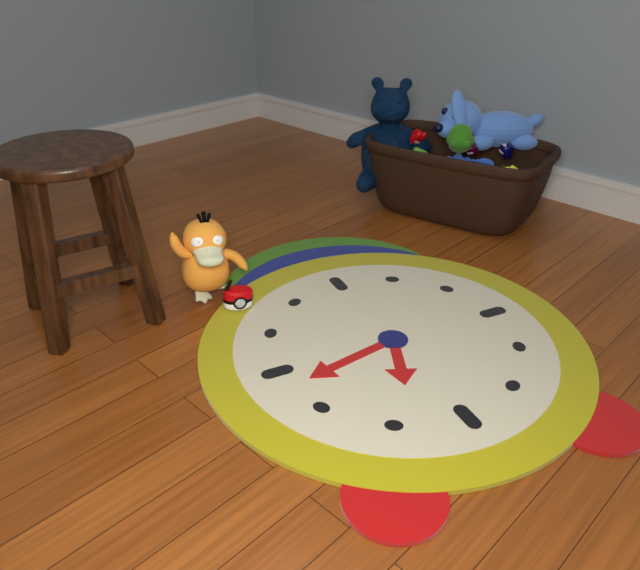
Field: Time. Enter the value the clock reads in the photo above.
6:43
